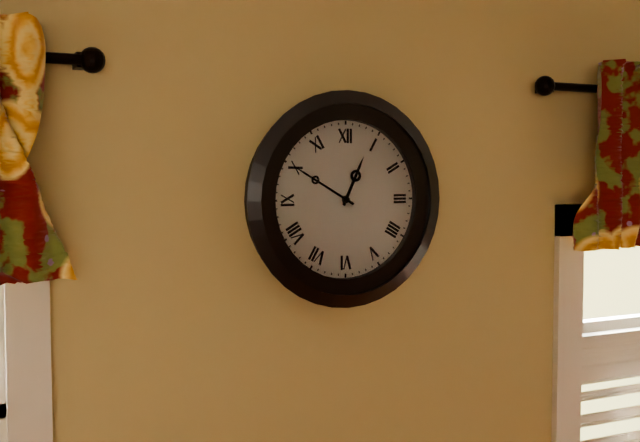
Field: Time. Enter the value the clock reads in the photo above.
12:50
